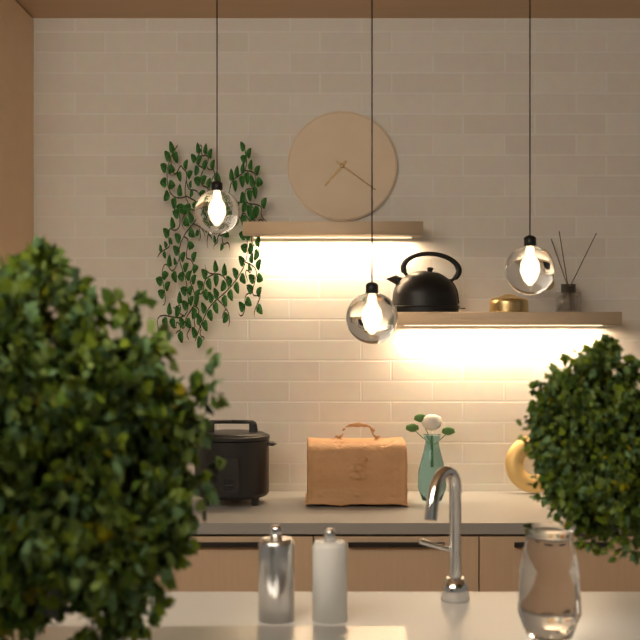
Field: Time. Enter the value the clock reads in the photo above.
7:21
